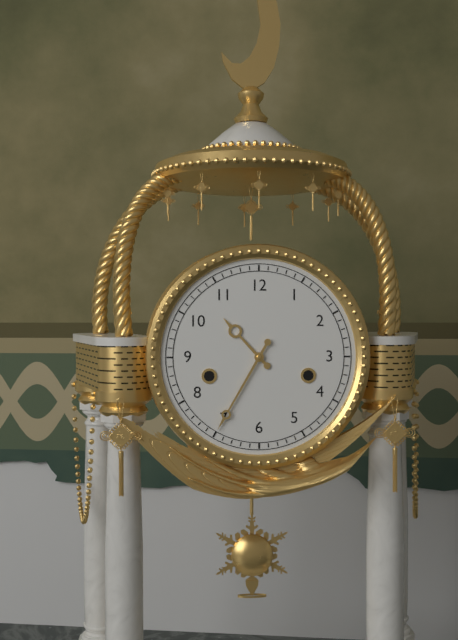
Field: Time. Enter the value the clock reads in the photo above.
10:35
